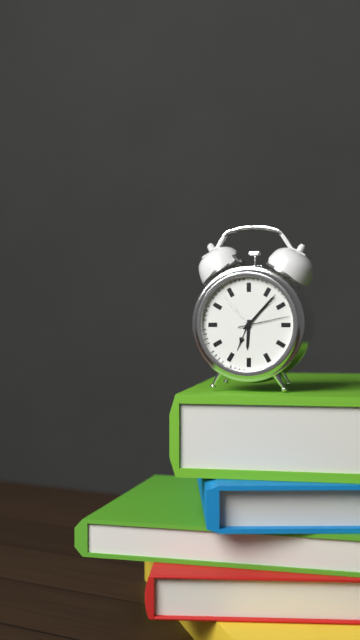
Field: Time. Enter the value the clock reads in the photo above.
6:07:13
